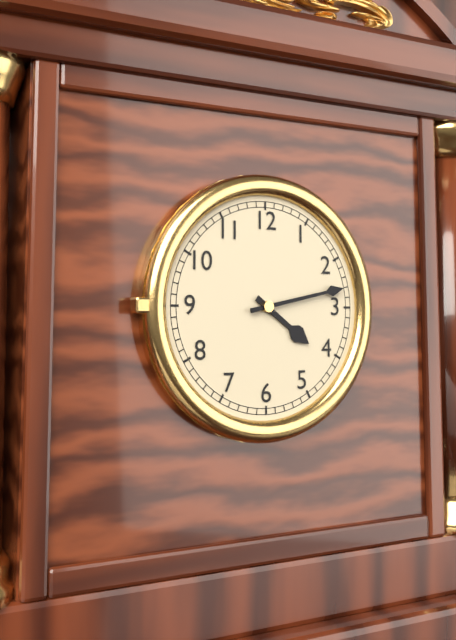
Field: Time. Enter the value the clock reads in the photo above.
4:13
